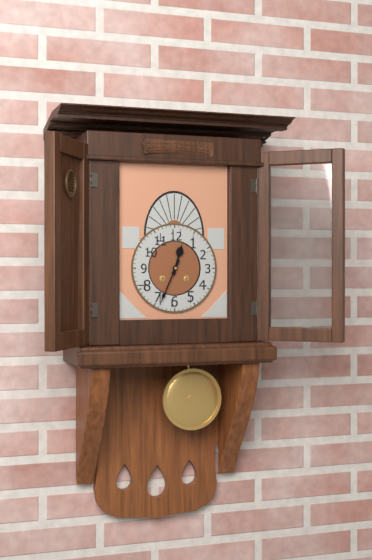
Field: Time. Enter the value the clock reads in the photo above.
12:34
